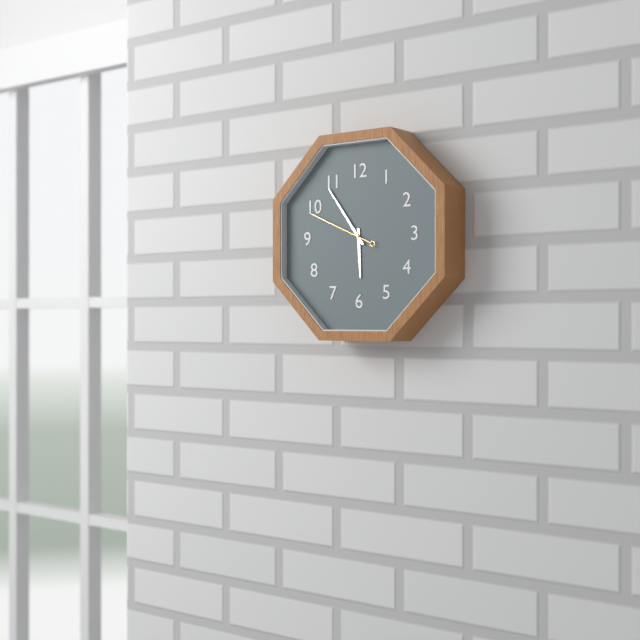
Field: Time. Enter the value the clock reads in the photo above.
5:54:49
